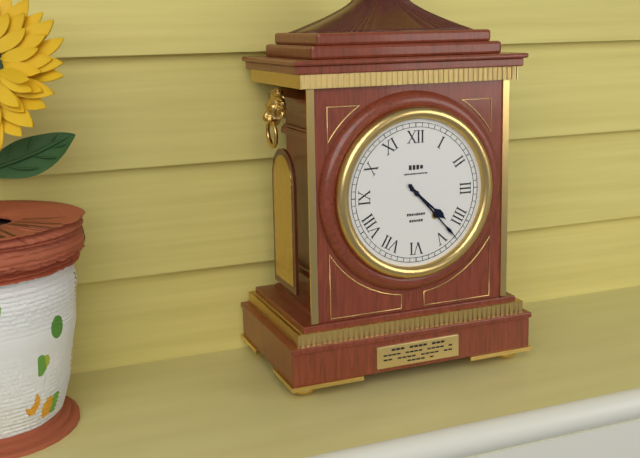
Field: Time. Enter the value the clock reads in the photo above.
4:23
